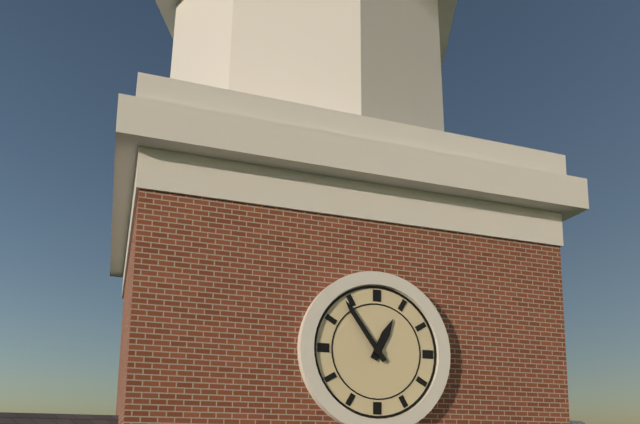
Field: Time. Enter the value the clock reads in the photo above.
12:54
